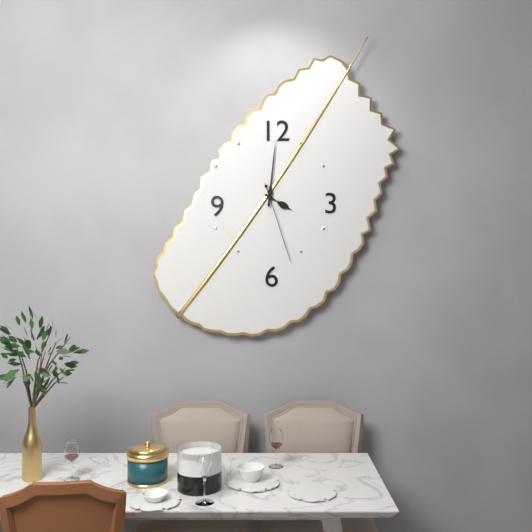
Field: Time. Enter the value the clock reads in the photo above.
4:01:27
